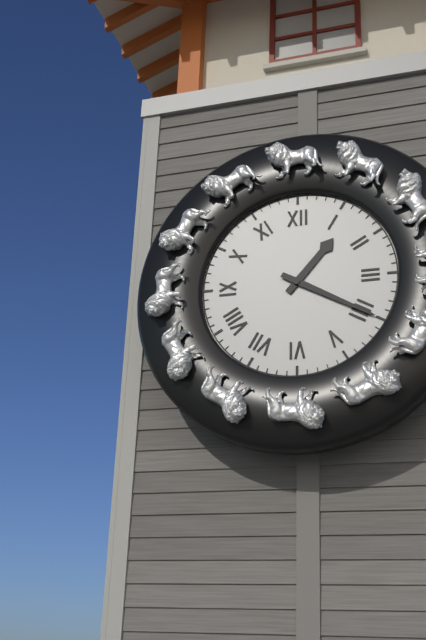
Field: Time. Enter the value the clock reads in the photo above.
1:20
